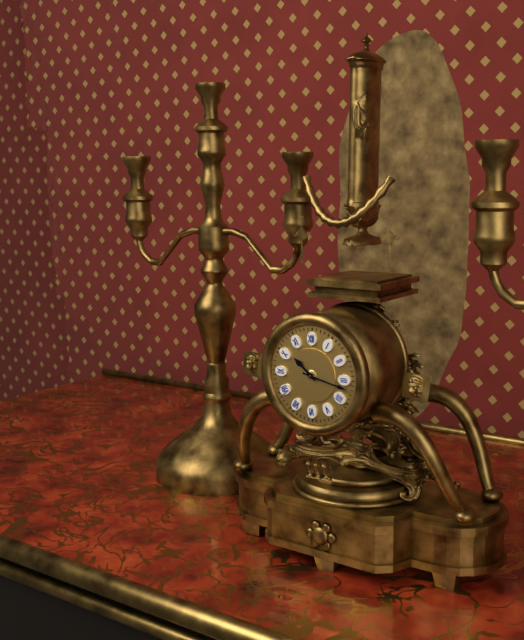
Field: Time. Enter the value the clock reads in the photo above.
10:17
